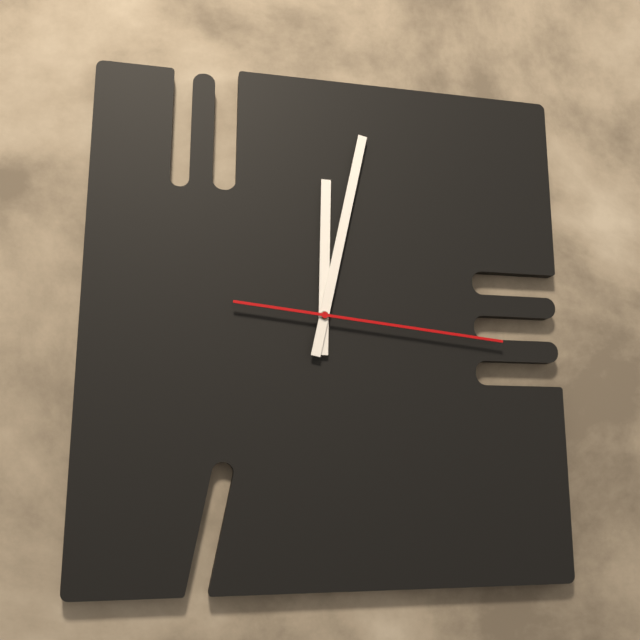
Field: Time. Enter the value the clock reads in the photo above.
12:02:16
